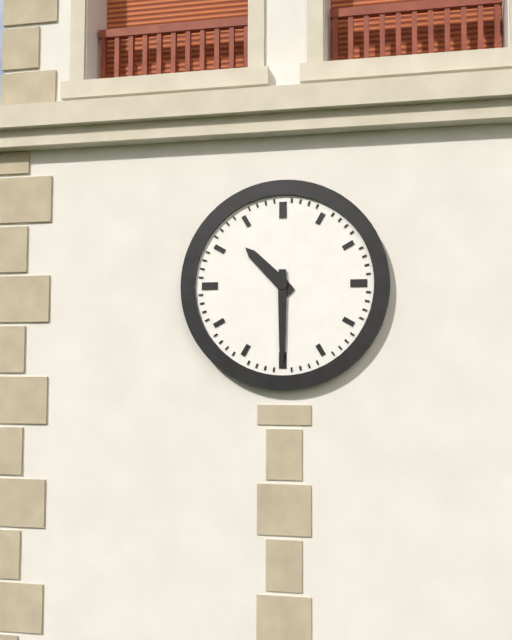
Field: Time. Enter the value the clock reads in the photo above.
10:30
